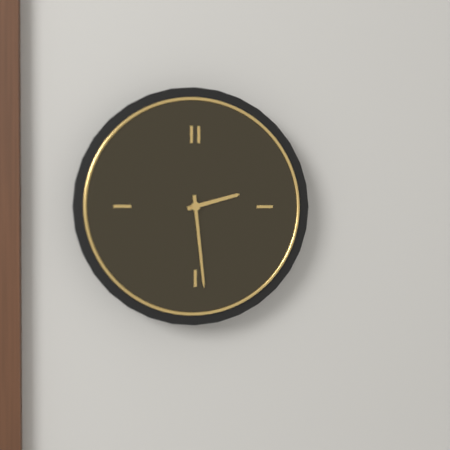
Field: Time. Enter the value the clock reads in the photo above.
2:29
